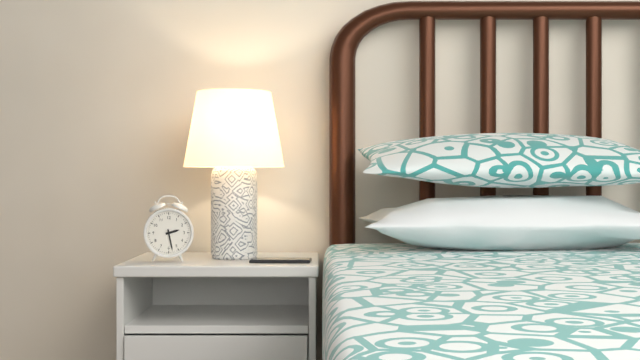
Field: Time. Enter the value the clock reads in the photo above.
2:28
